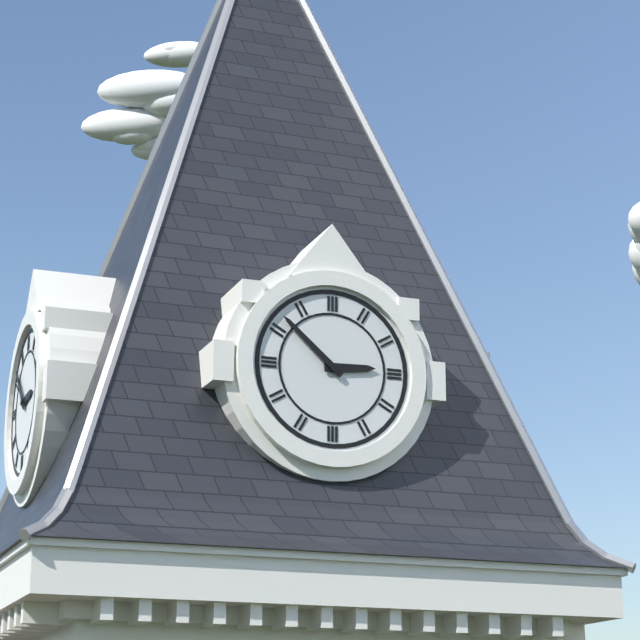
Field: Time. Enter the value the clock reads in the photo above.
2:52
